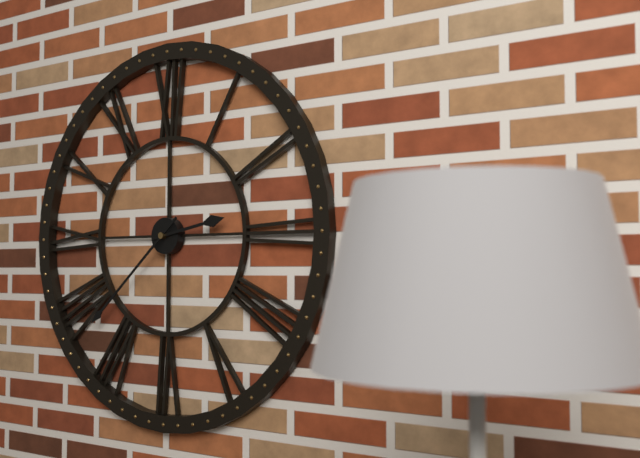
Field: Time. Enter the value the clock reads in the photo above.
2:38
